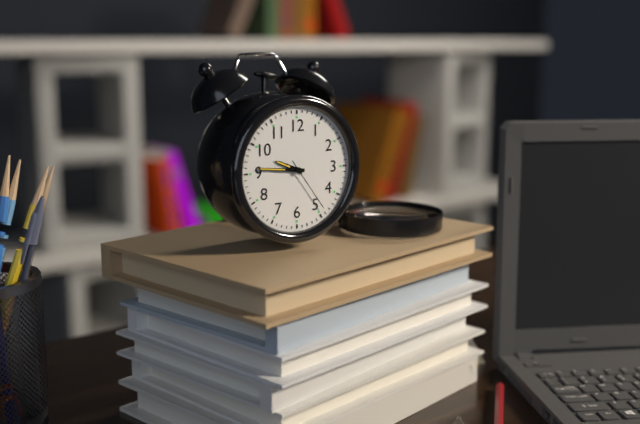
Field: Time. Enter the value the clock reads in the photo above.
9:46:24
